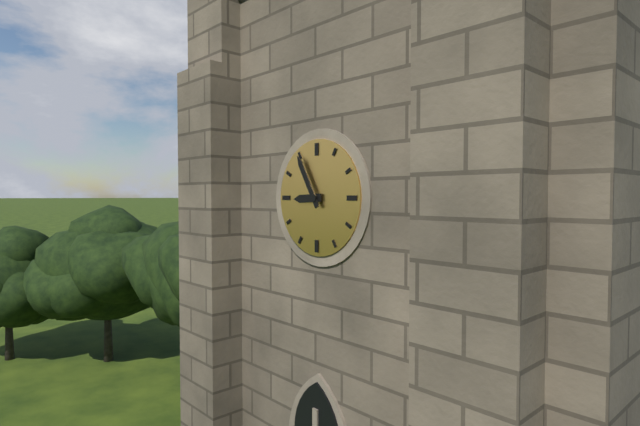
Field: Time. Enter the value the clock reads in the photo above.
8:55
